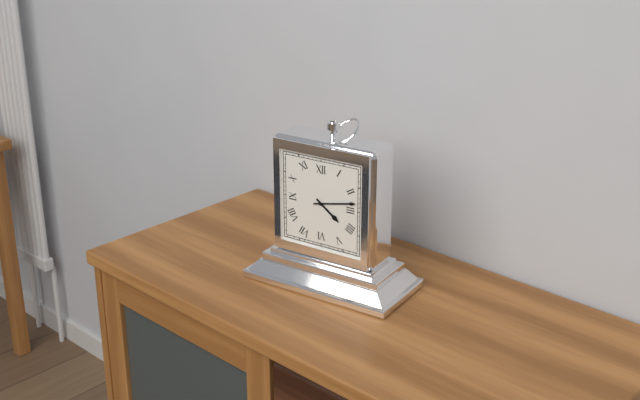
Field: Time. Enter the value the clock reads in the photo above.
4:13
